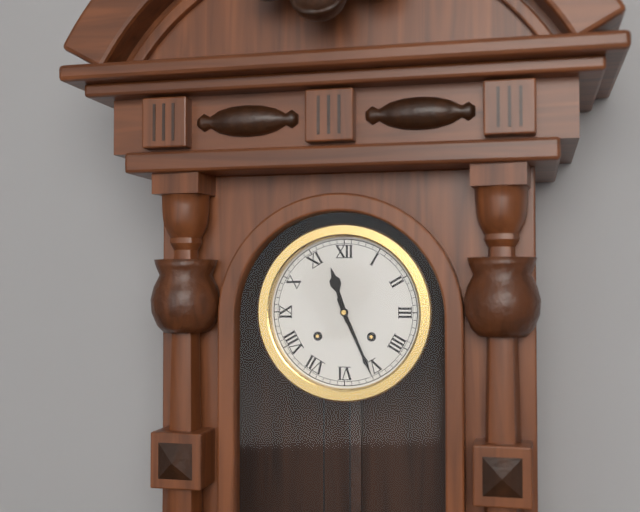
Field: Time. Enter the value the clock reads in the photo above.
11:26
